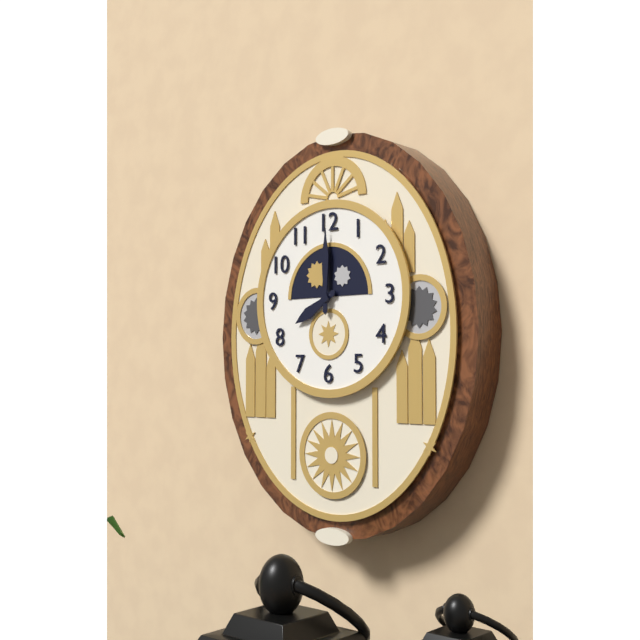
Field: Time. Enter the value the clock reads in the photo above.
8:00
